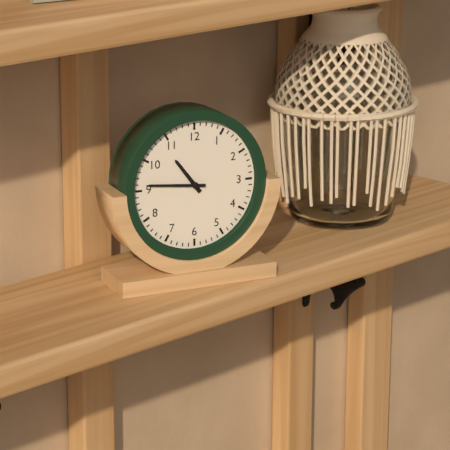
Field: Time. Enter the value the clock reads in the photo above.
10:46
